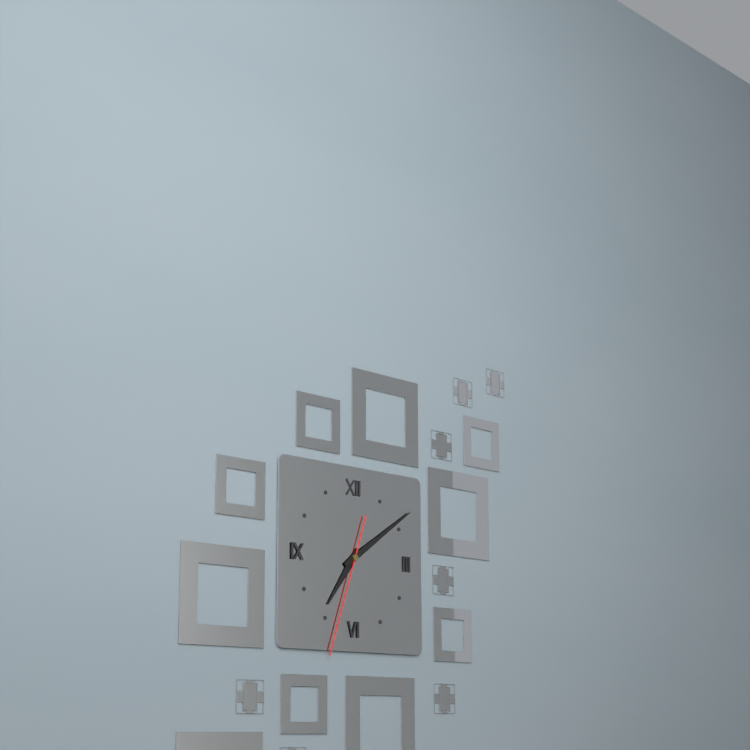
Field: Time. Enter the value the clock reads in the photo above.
7:09:33
